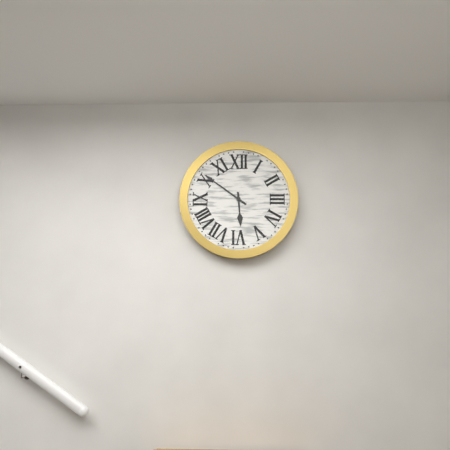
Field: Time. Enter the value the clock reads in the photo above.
5:51
